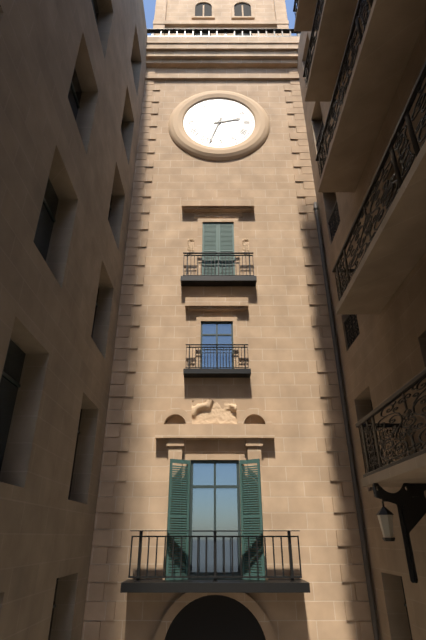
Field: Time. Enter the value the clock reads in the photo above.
2:33
